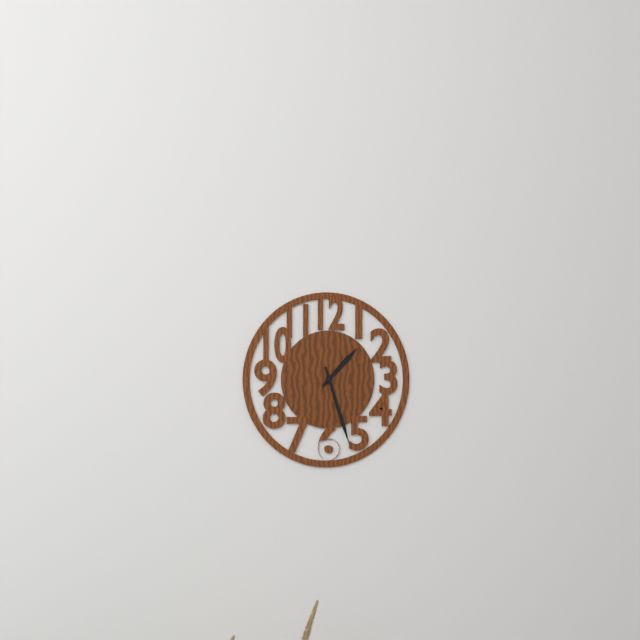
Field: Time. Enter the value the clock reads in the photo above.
1:27
